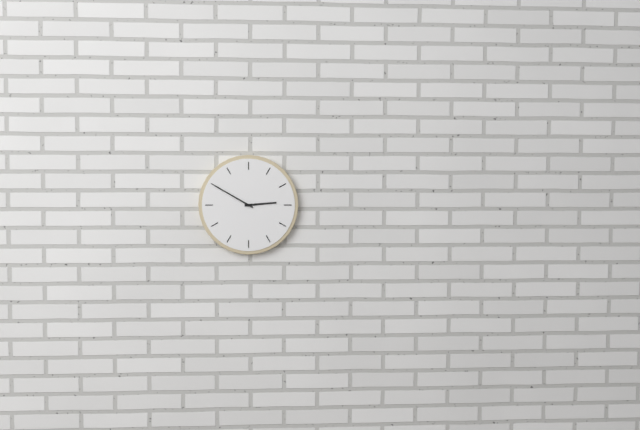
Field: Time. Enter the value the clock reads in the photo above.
2:50
